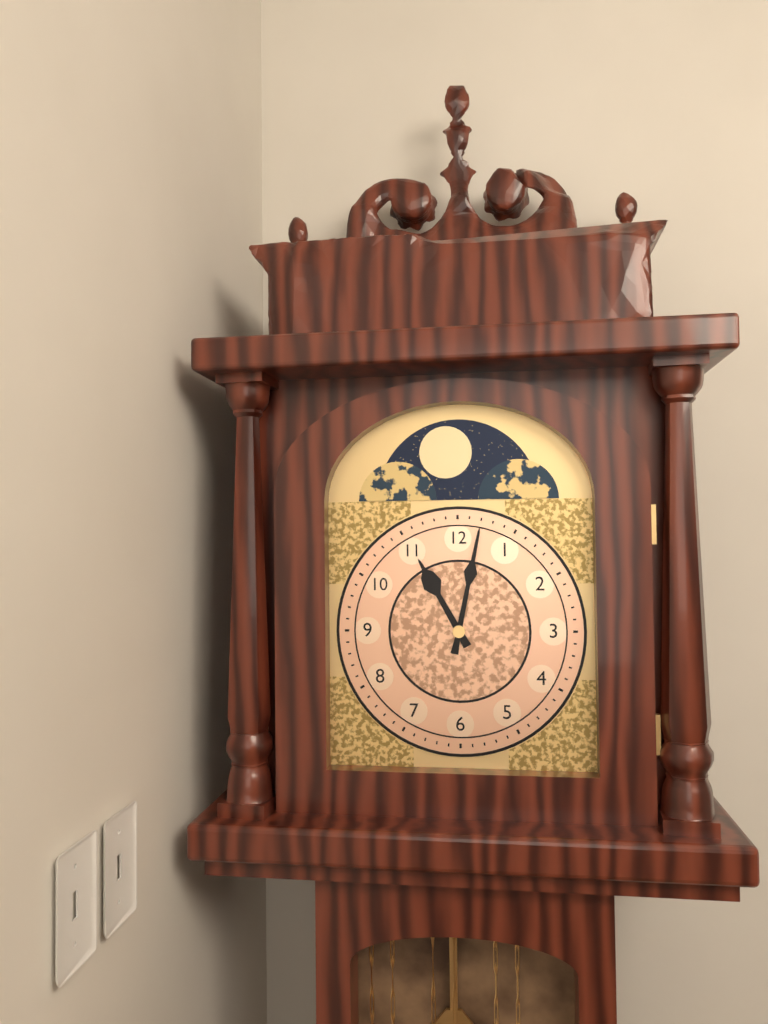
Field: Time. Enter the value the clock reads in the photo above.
11:02
